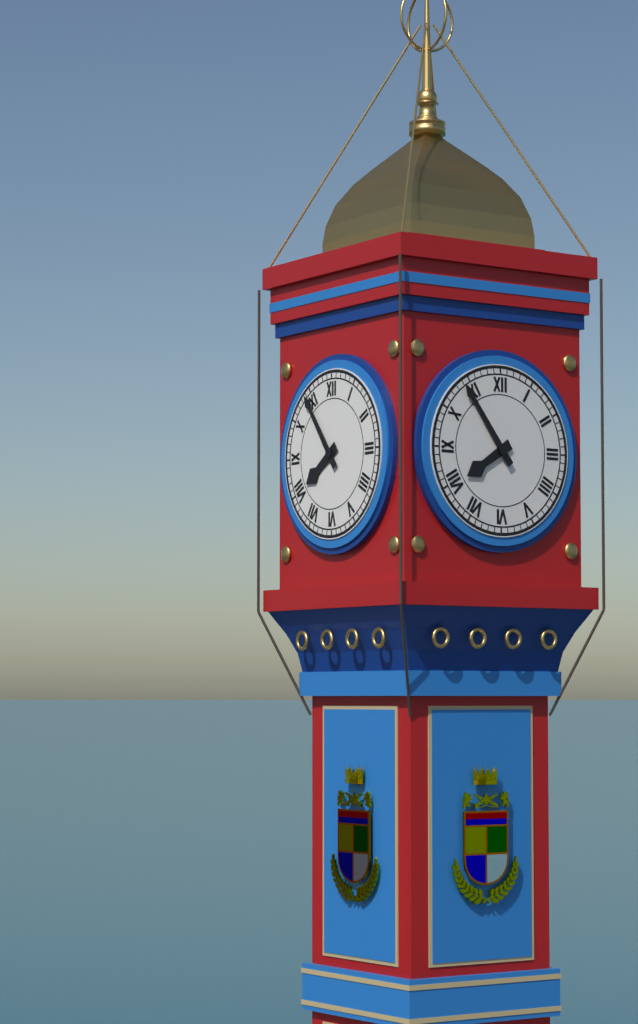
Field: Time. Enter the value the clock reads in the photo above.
7:54
